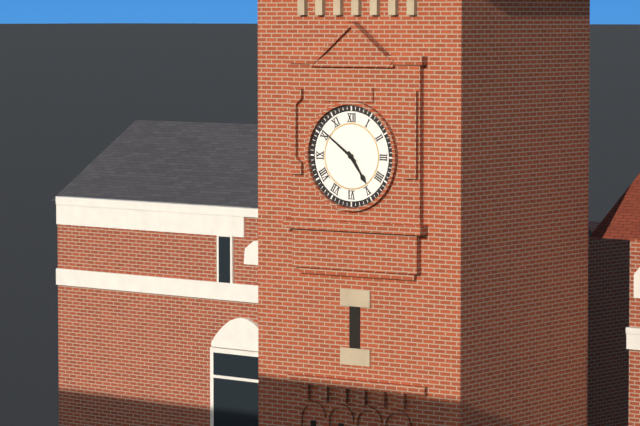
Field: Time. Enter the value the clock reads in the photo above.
4:51
